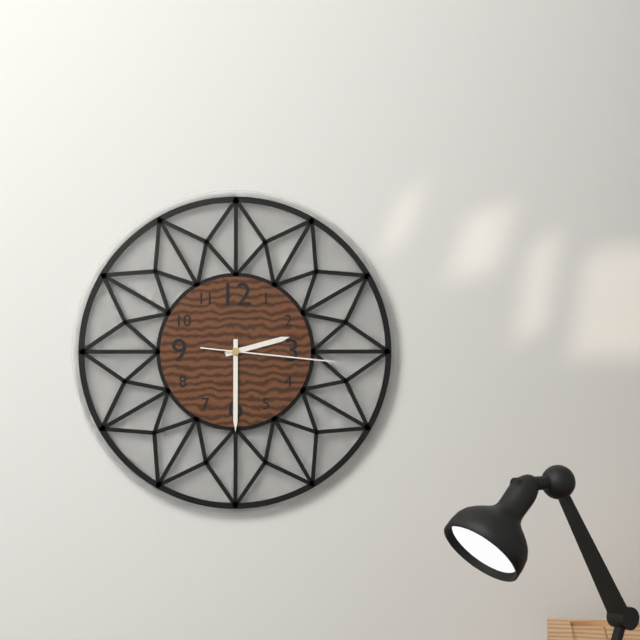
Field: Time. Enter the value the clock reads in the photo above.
2:30:16
